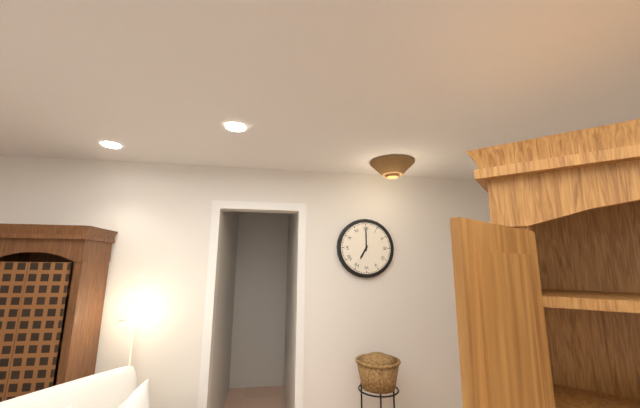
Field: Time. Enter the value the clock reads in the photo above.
7:00
